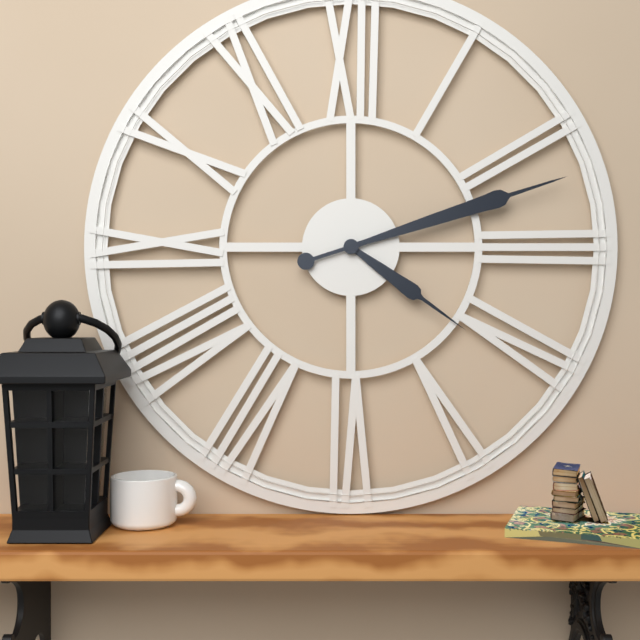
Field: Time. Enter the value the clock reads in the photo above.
4:12
